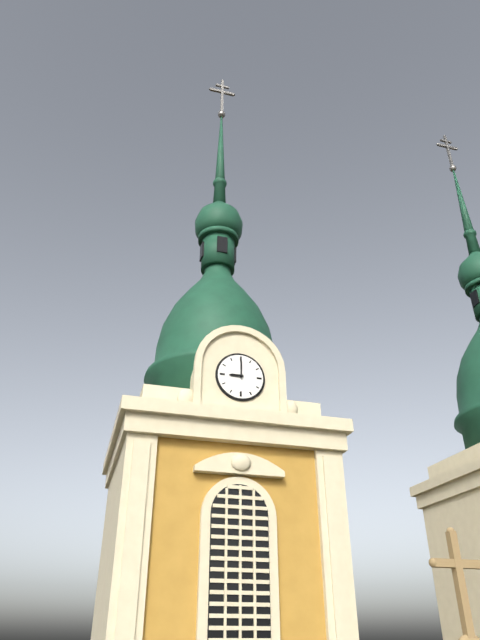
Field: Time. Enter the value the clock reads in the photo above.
9:00
